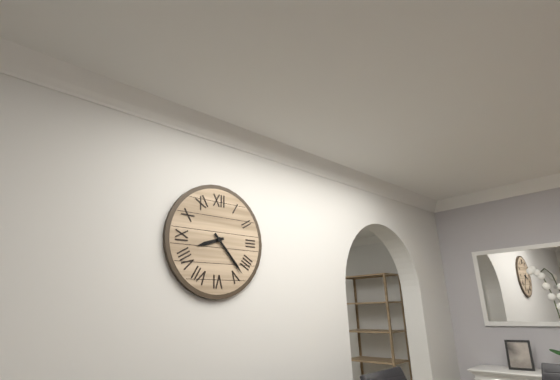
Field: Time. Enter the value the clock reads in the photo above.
8:23
